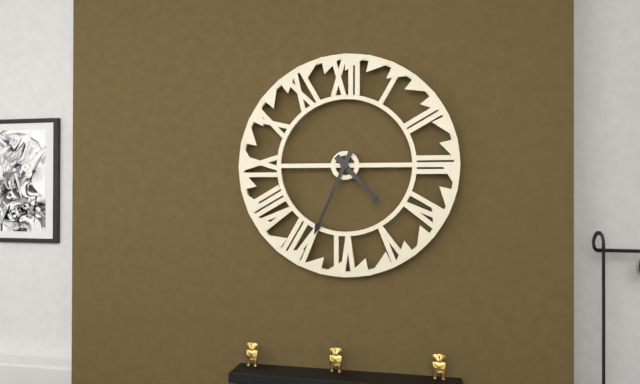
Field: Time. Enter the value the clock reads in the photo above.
4:34
